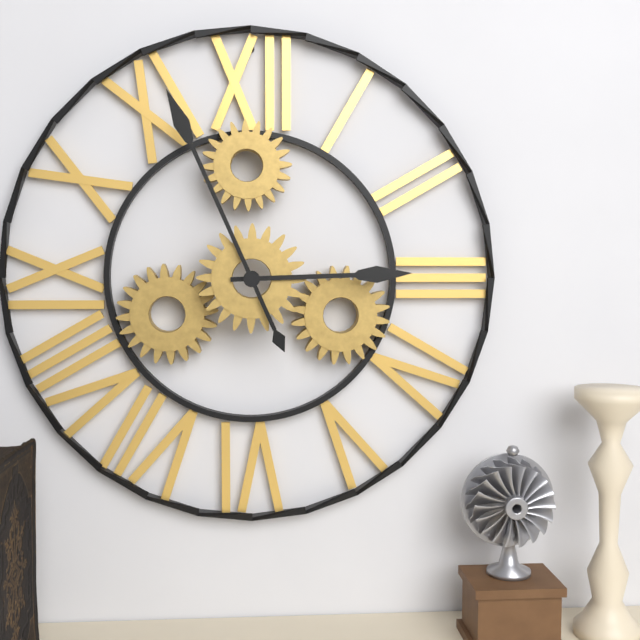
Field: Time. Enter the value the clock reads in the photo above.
2:56
